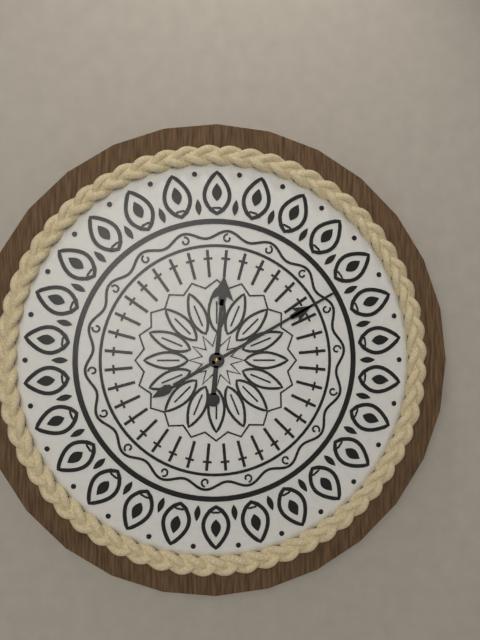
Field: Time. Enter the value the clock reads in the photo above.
12:10
